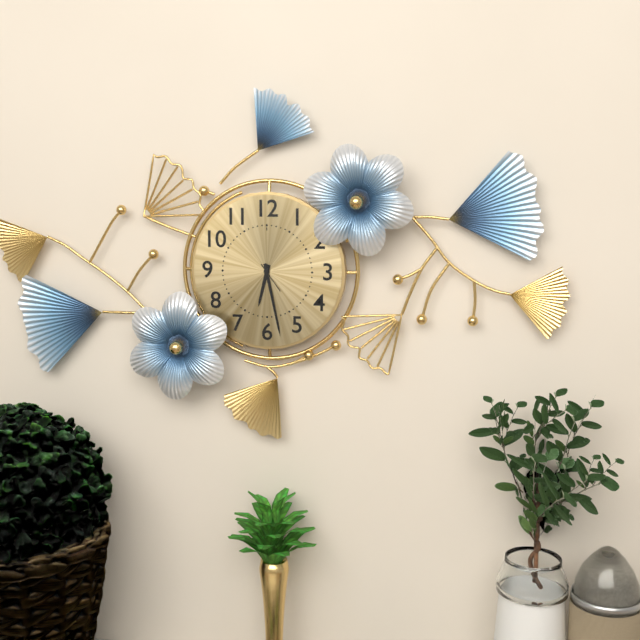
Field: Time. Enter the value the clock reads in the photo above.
6:28
